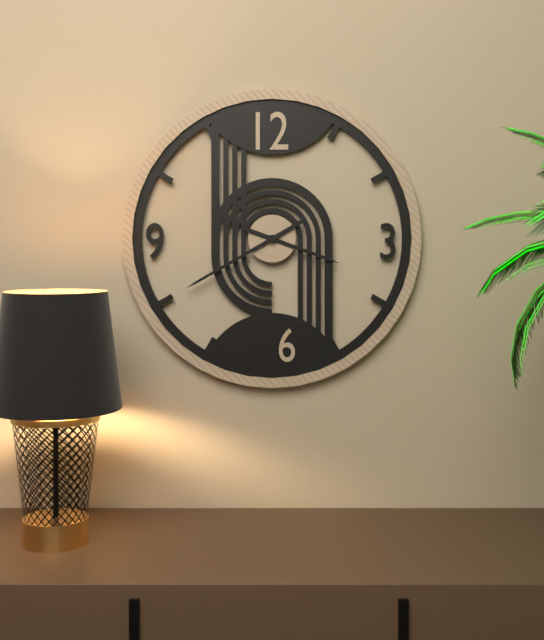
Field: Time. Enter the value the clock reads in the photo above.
3:40
